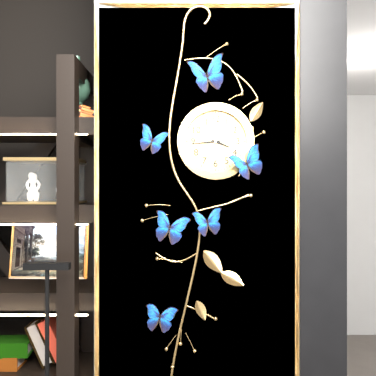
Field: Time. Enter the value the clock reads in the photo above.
3:44
